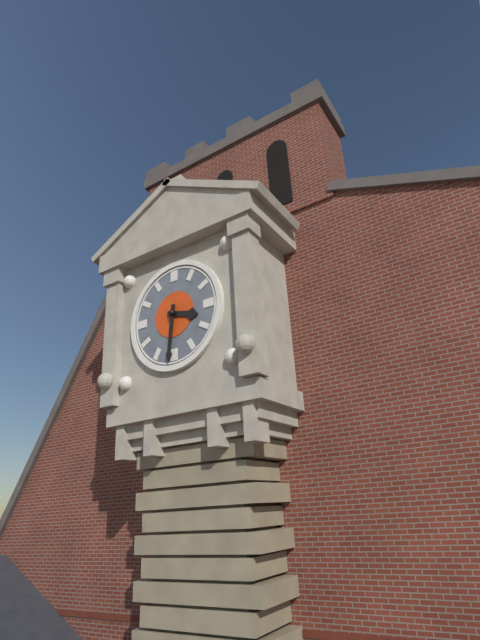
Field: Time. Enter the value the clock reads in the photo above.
3:31
